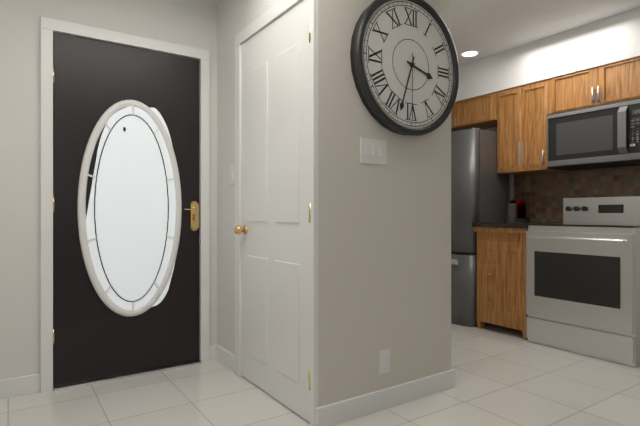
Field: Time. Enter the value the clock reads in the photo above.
3:33:30
